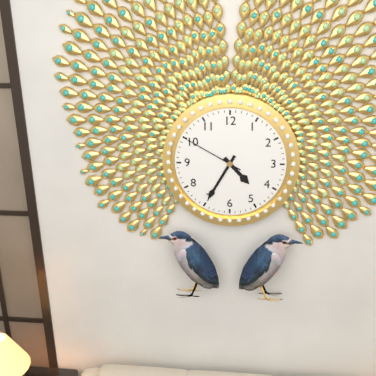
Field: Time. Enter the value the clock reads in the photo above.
4:35:50
